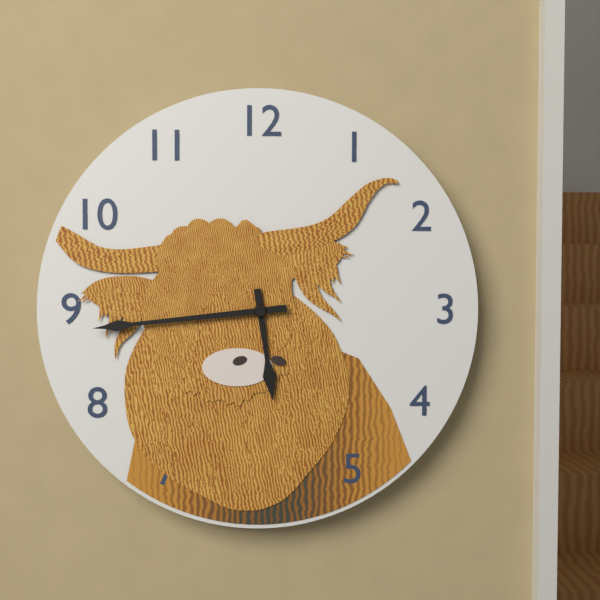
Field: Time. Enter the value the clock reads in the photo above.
5:44
